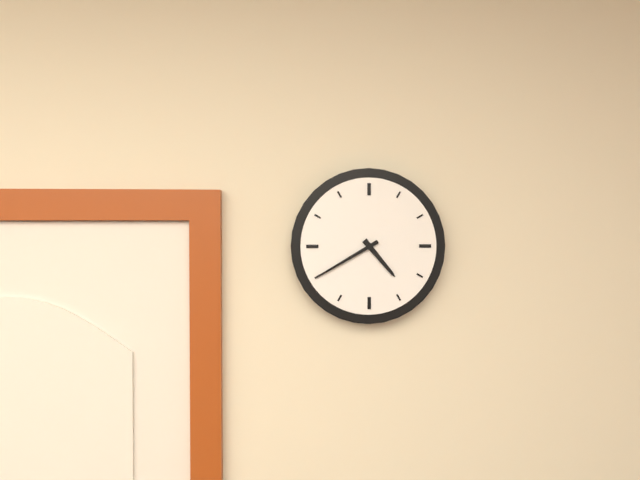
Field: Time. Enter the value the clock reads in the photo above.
4:40
